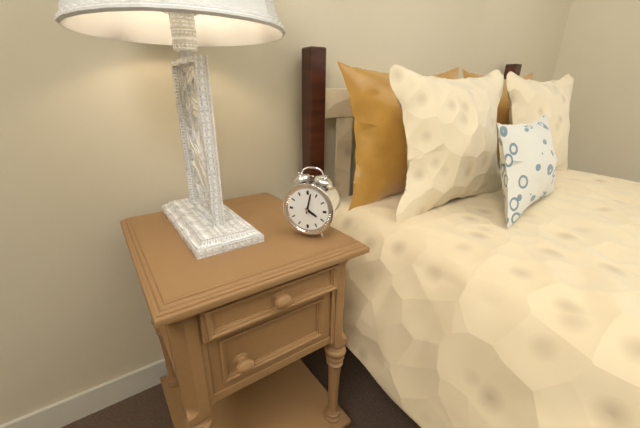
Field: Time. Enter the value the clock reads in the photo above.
4:02
